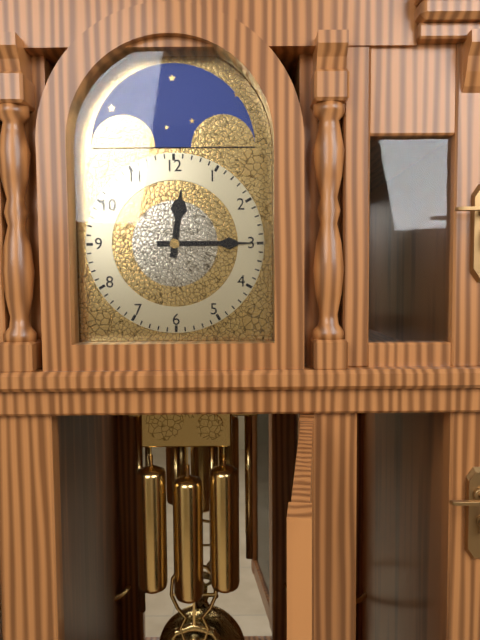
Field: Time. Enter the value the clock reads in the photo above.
12:15
